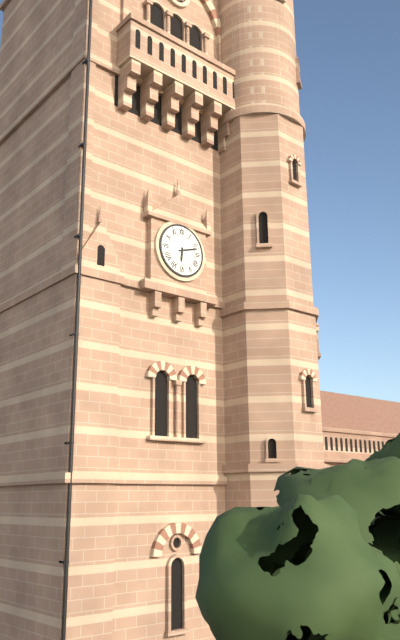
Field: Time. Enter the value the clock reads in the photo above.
6:12
